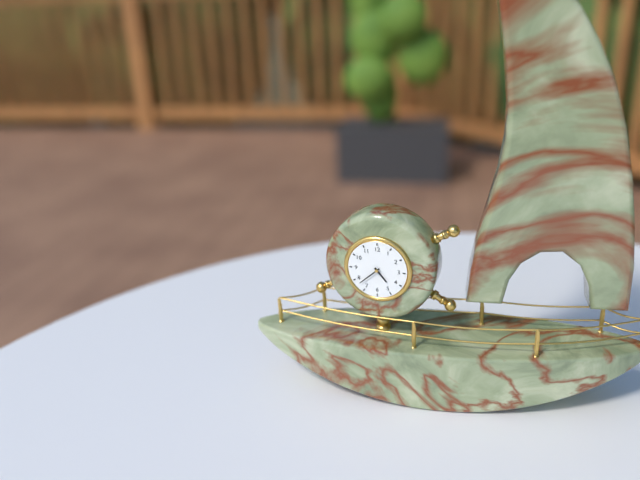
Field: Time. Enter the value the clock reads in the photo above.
4:38
